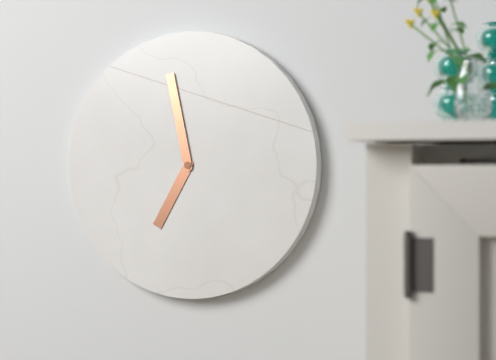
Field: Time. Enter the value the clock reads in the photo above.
6:58
